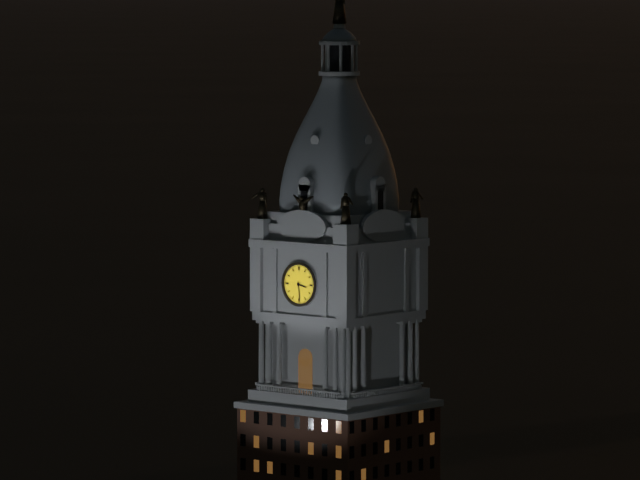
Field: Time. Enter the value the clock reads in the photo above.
3:29
